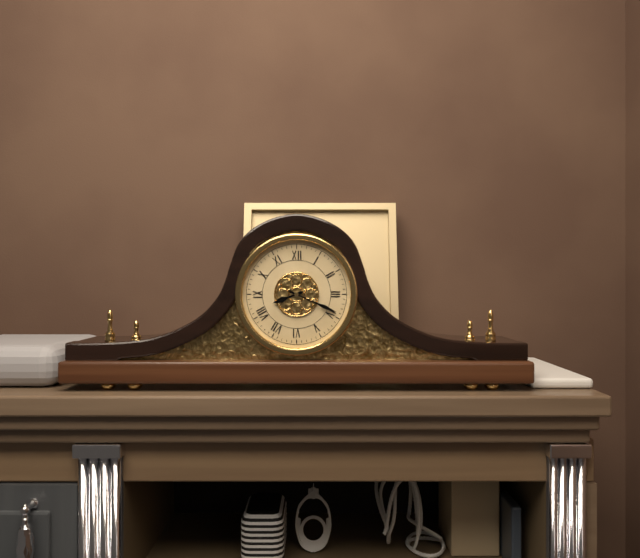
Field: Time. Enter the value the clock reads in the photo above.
8:19
